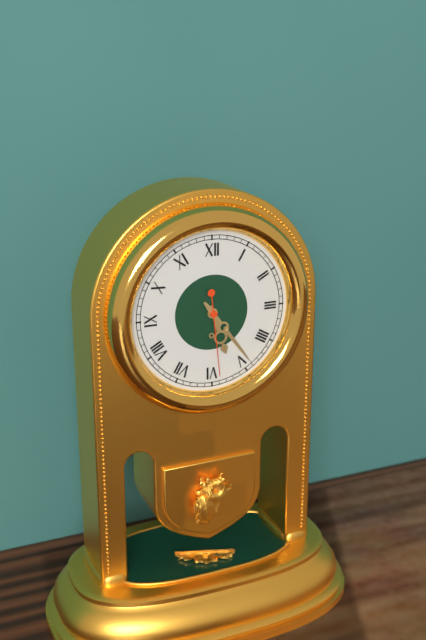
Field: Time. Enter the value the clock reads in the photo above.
5:24:29
